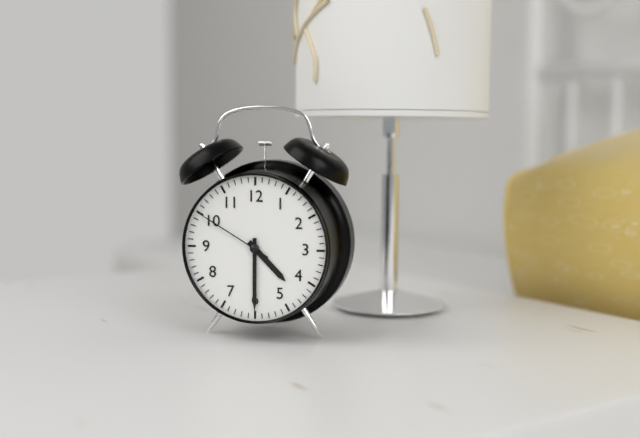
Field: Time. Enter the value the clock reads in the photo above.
4:30:50
